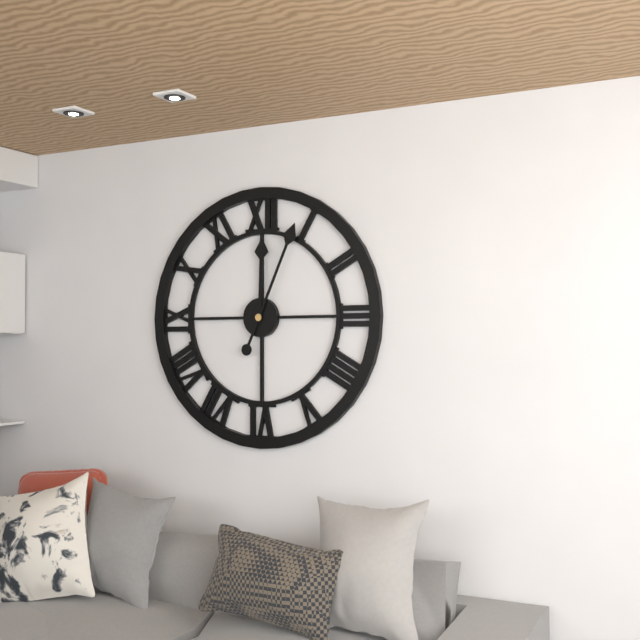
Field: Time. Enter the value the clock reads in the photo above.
12:04
